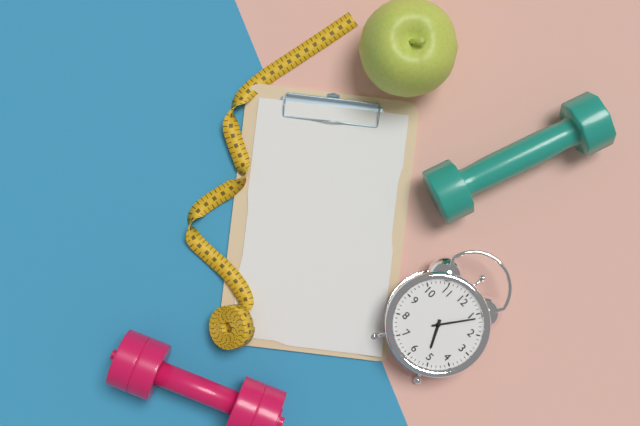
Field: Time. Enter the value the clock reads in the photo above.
5:06
